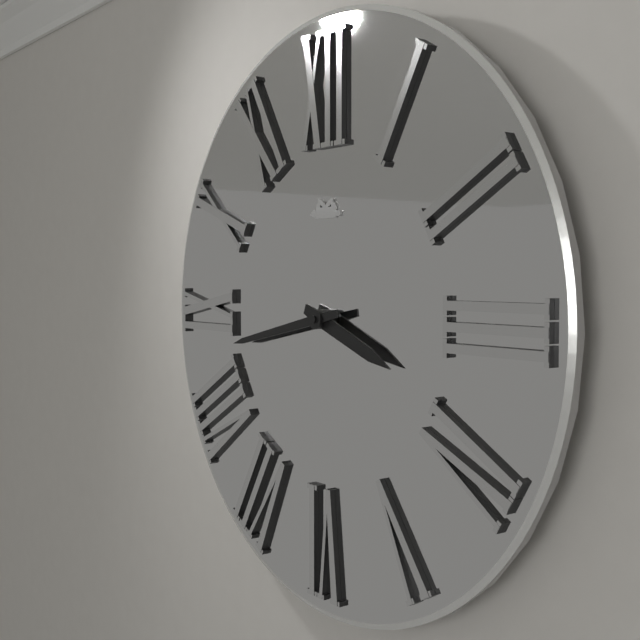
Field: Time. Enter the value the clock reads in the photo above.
3:43
